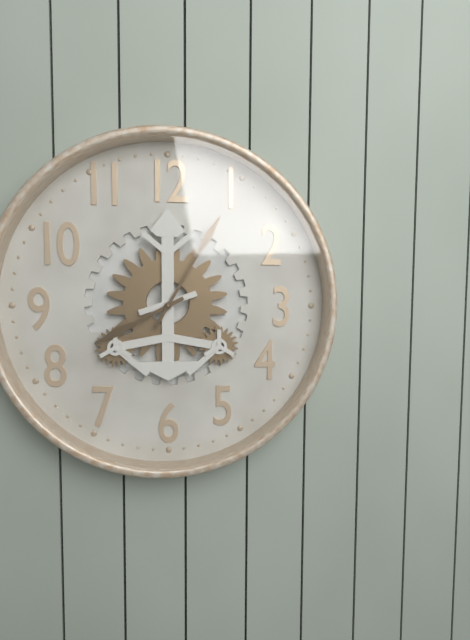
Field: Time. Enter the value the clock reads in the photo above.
8:05
